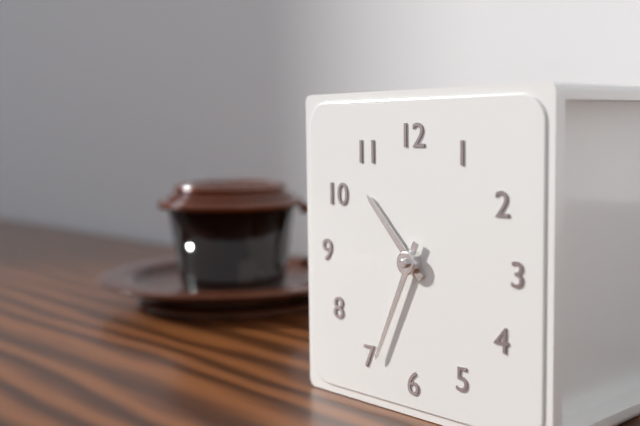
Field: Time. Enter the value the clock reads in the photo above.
10:34
